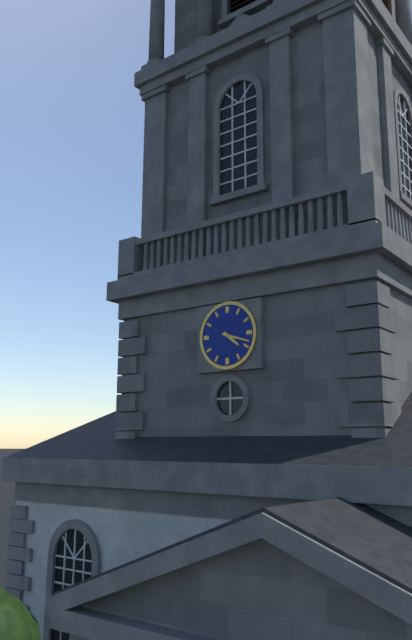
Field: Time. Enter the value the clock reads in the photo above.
4:18
